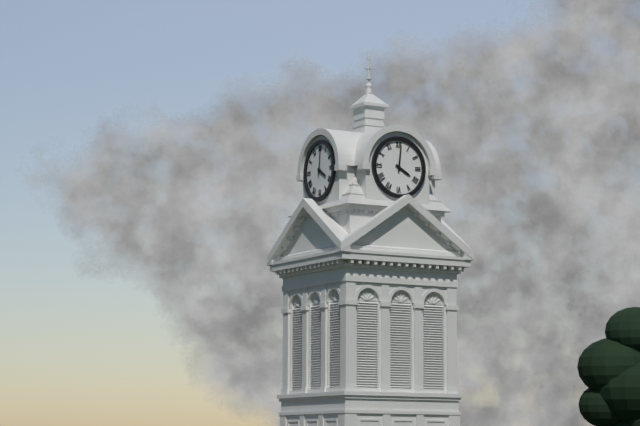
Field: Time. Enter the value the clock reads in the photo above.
4:01
